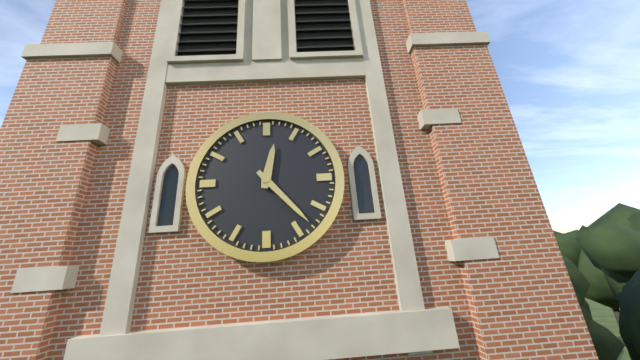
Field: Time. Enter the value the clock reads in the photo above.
12:23
